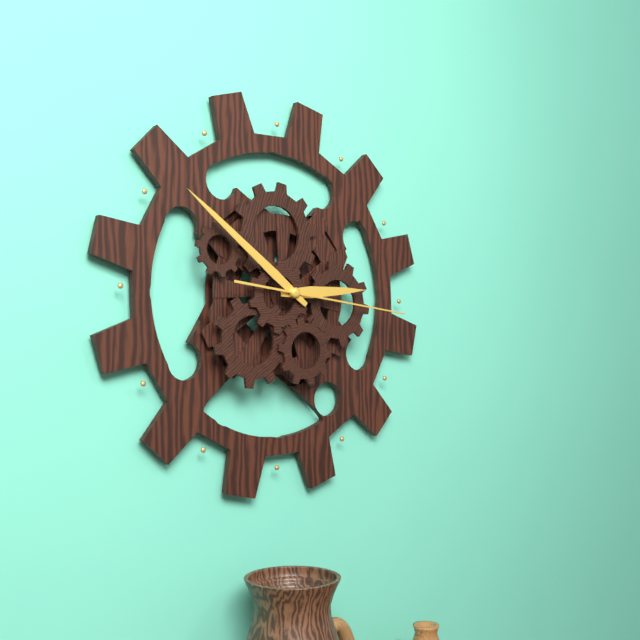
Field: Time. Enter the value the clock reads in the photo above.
2:51:16
